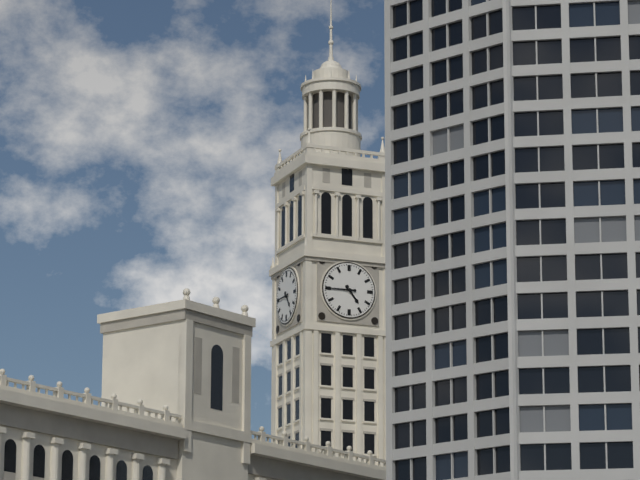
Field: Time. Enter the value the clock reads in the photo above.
4:45
